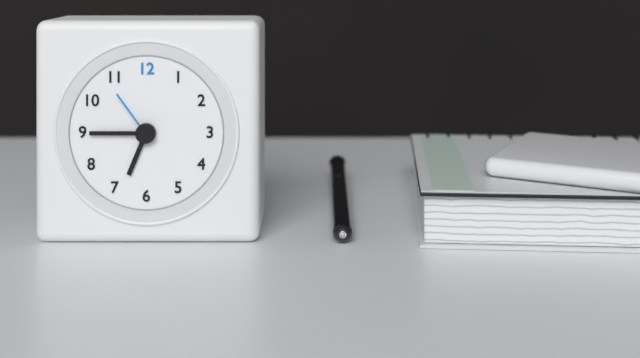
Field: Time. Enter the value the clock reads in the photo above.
6:45:54
